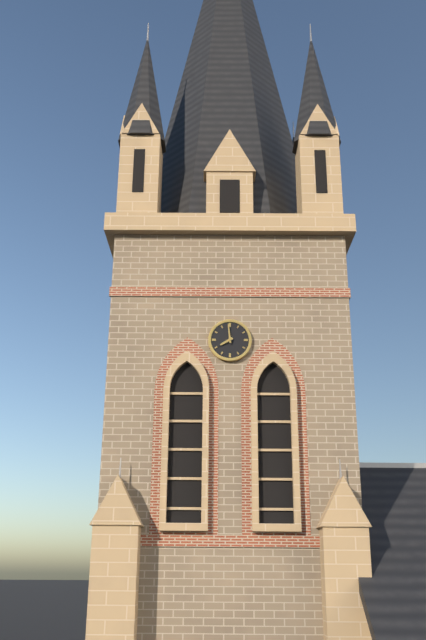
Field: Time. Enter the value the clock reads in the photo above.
7:59
